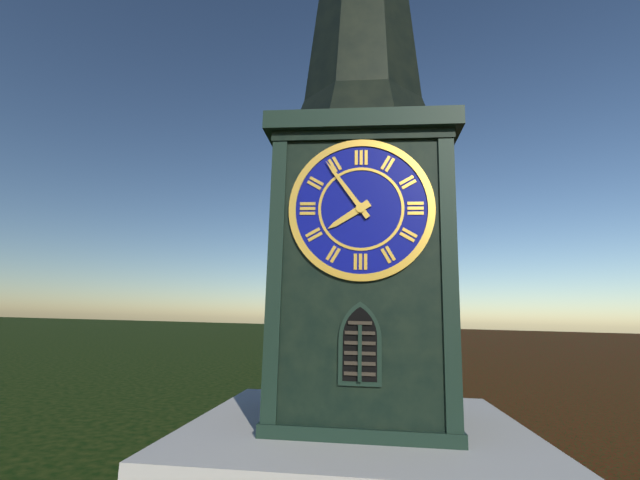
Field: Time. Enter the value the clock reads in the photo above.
7:54
